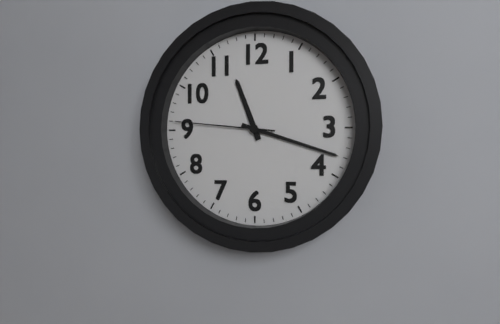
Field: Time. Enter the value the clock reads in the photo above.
11:18:46
